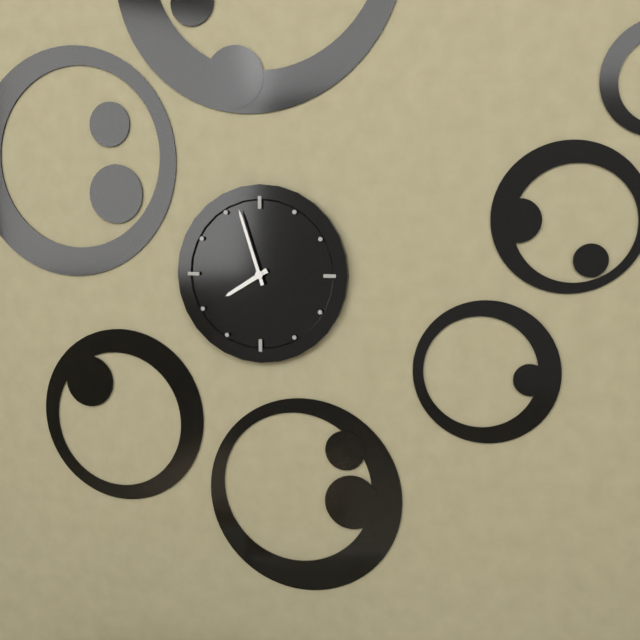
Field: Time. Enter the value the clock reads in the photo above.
7:57
